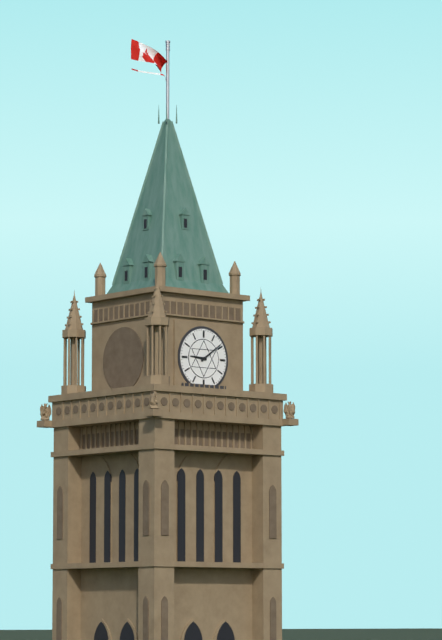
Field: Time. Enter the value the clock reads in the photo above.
9:09
